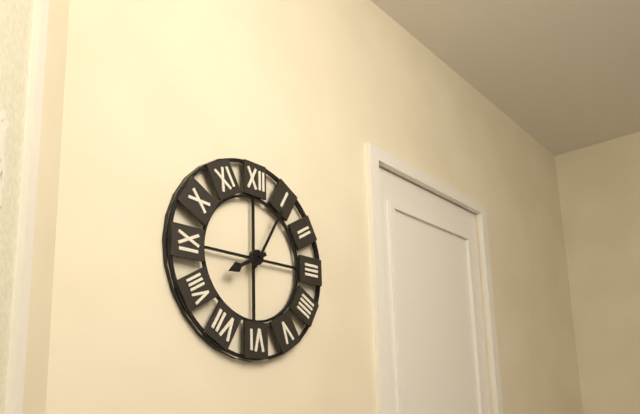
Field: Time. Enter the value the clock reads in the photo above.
8:05
